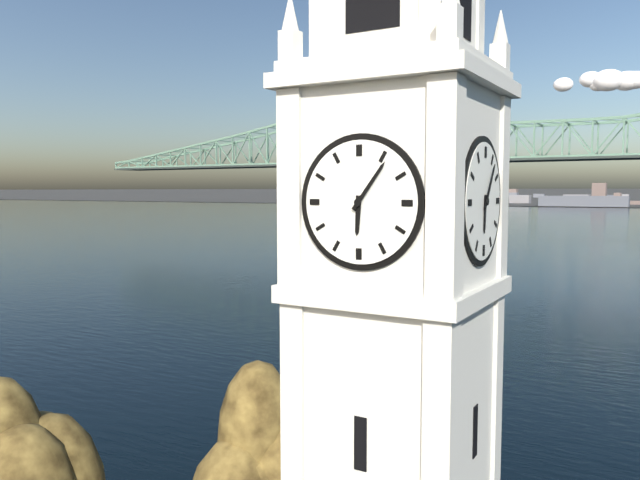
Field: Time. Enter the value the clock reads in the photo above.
6:06
